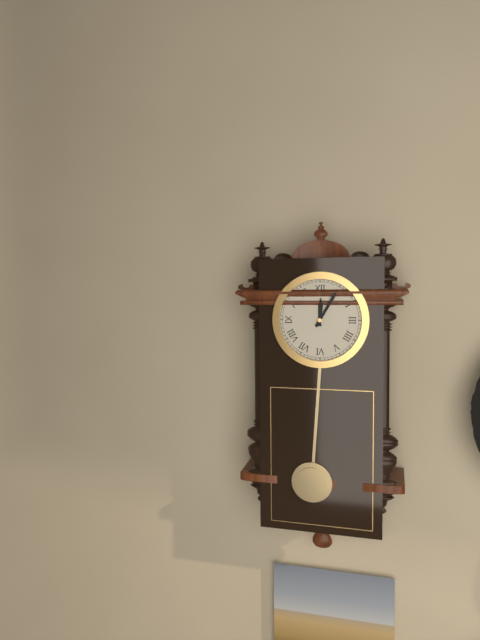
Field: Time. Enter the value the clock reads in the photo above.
12:05
